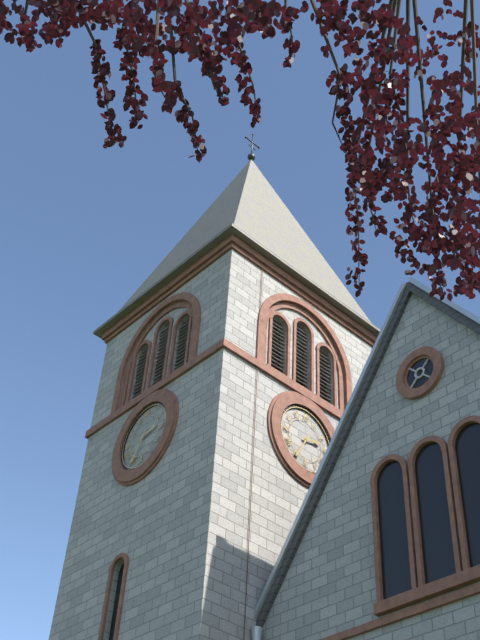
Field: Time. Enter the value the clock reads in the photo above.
2:35
